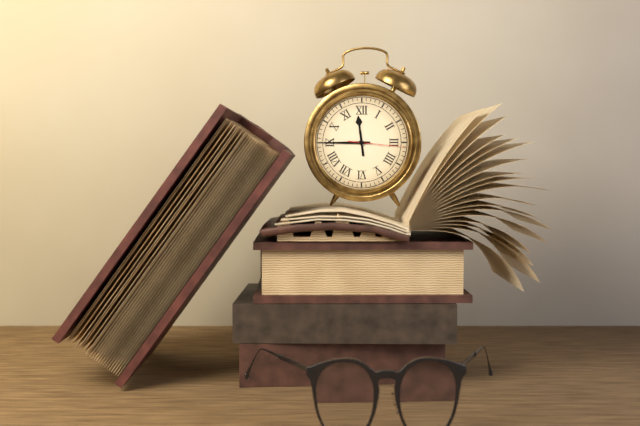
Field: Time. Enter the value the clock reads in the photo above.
11:45:16
